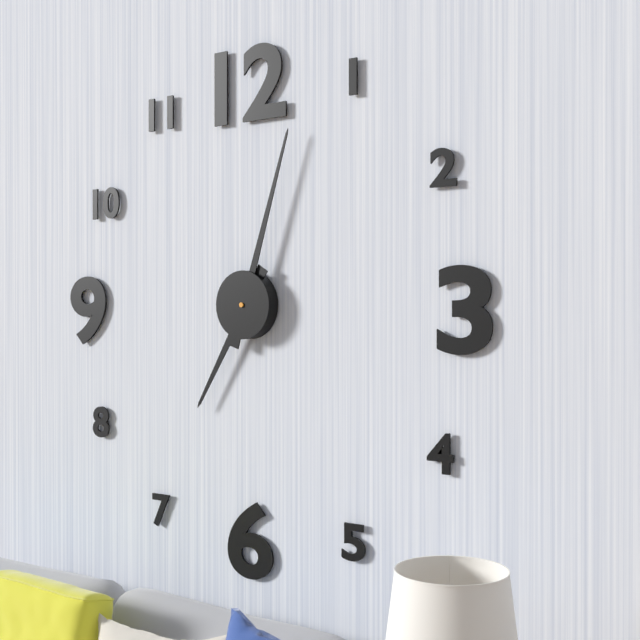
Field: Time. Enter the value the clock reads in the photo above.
7:03
